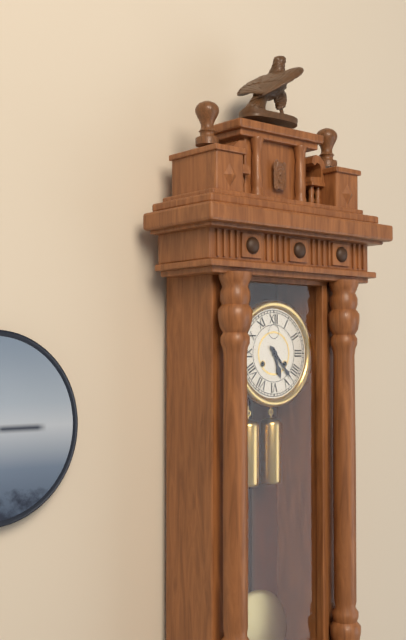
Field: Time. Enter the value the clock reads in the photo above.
5:23
